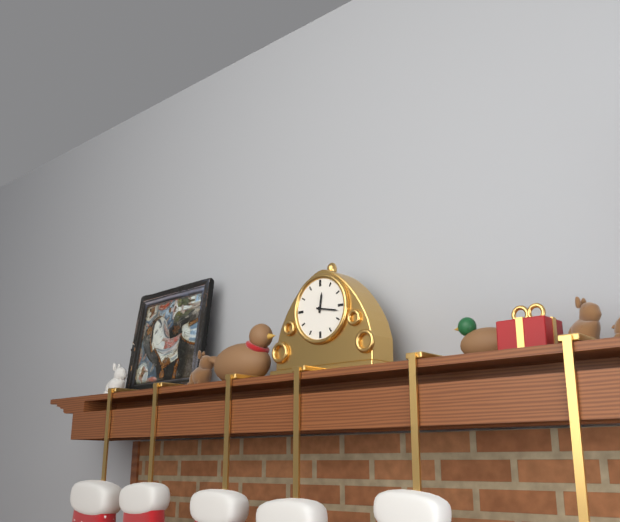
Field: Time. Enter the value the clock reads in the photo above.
12:17
